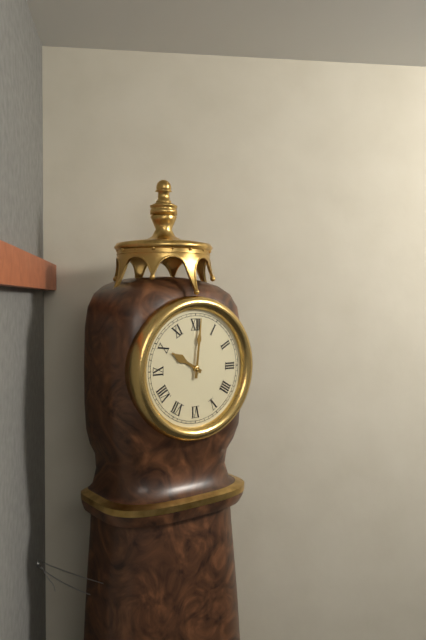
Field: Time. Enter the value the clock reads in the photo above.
10:01
